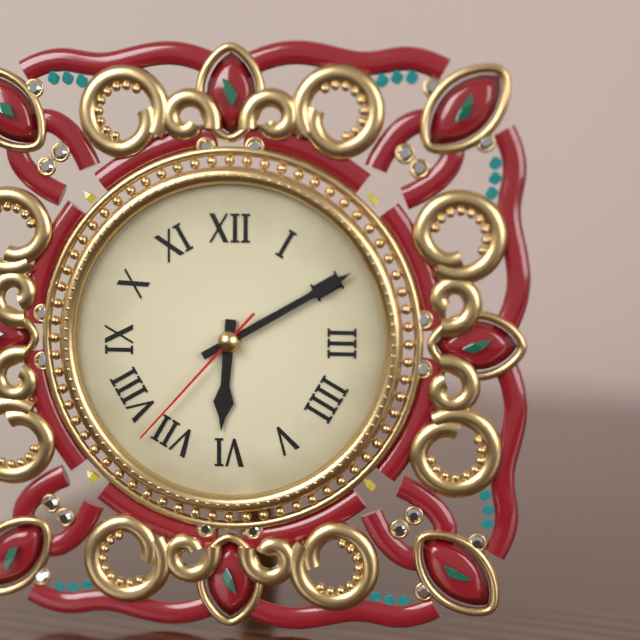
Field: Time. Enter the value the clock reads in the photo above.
6:10:37
